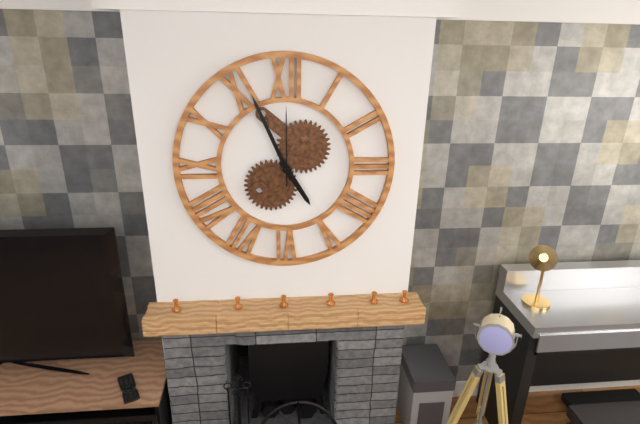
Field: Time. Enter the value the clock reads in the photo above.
4:56:00
